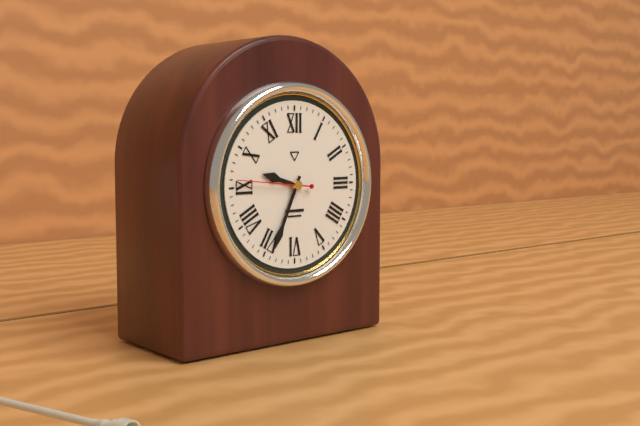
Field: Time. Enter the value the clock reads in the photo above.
9:34:46
